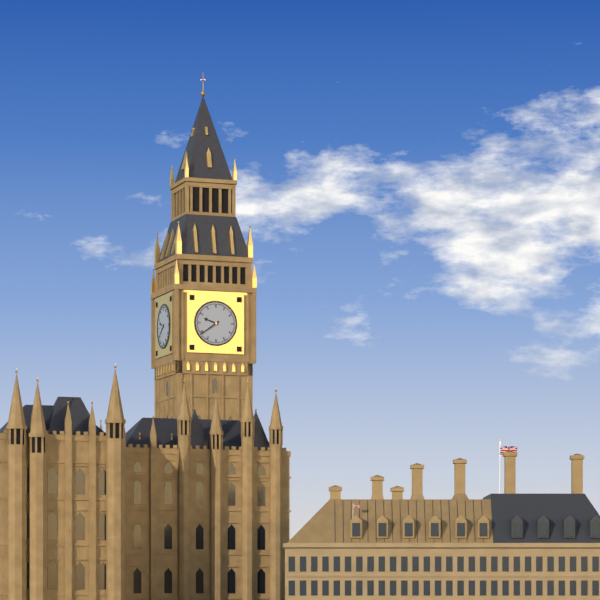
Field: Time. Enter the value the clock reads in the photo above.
9:39
